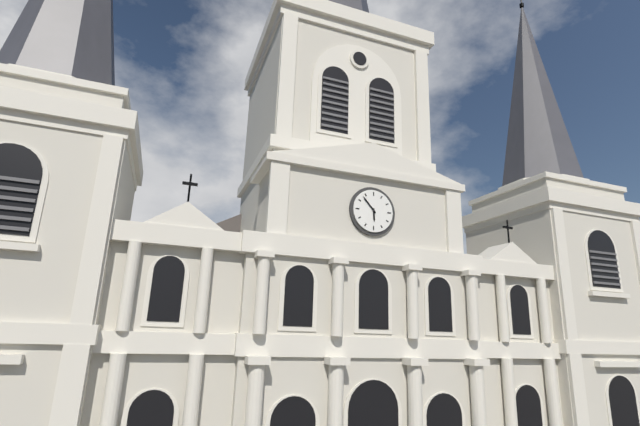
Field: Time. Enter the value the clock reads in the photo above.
5:53
